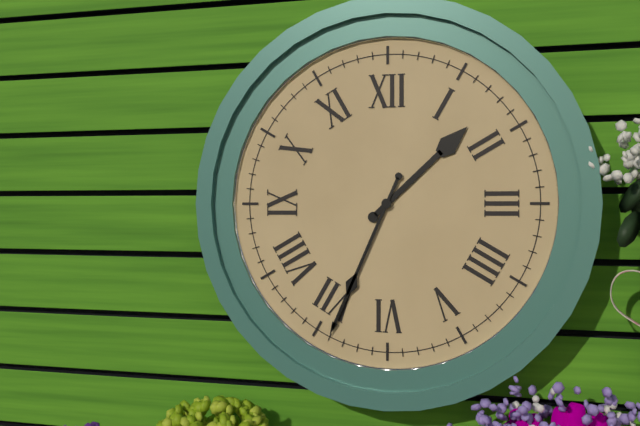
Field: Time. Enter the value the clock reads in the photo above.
1:34
